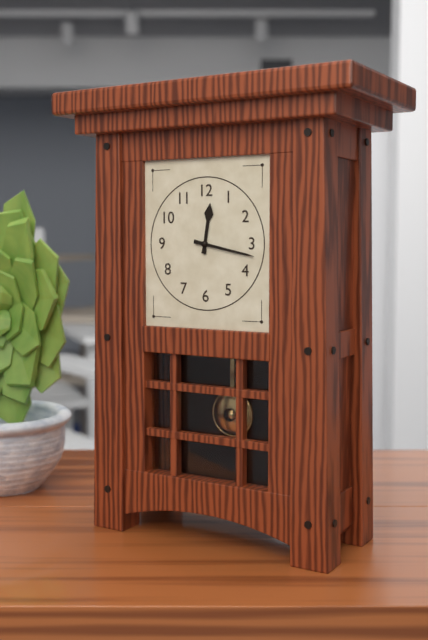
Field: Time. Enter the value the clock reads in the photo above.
12:17
